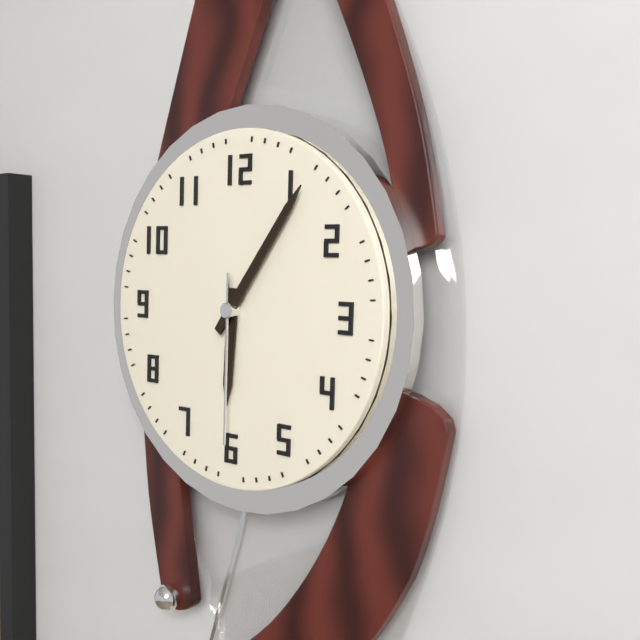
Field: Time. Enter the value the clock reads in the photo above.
6:06:30
